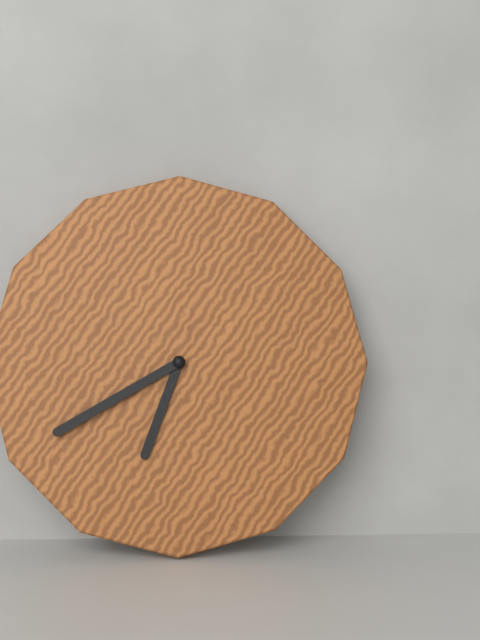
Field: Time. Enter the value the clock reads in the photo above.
6:40
